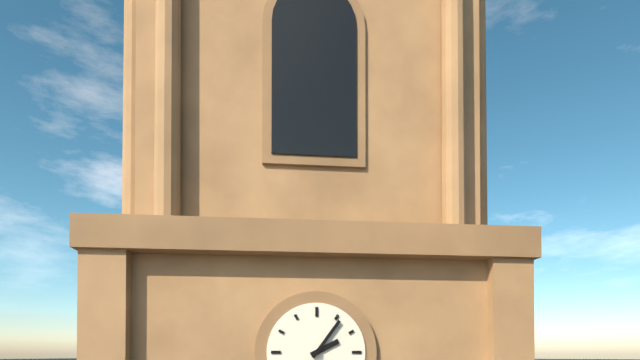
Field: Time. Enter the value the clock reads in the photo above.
2:06
